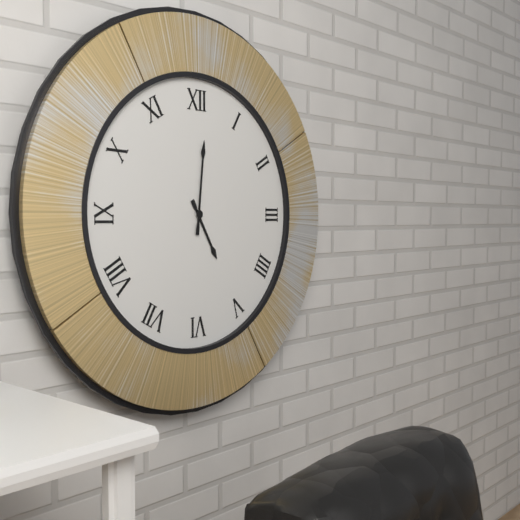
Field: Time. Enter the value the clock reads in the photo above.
5:01
